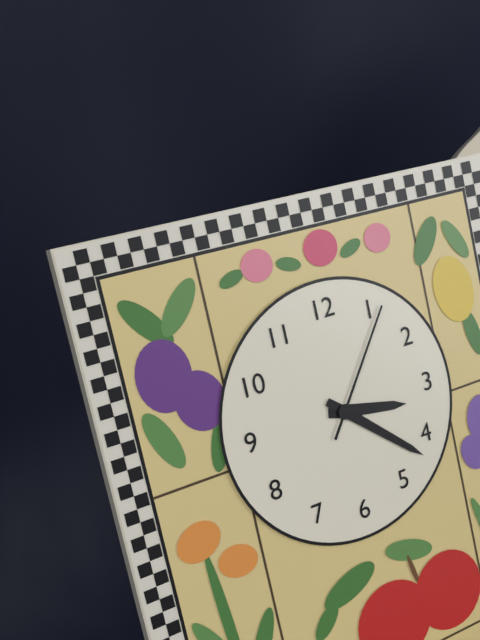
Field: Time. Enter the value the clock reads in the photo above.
3:22:06
